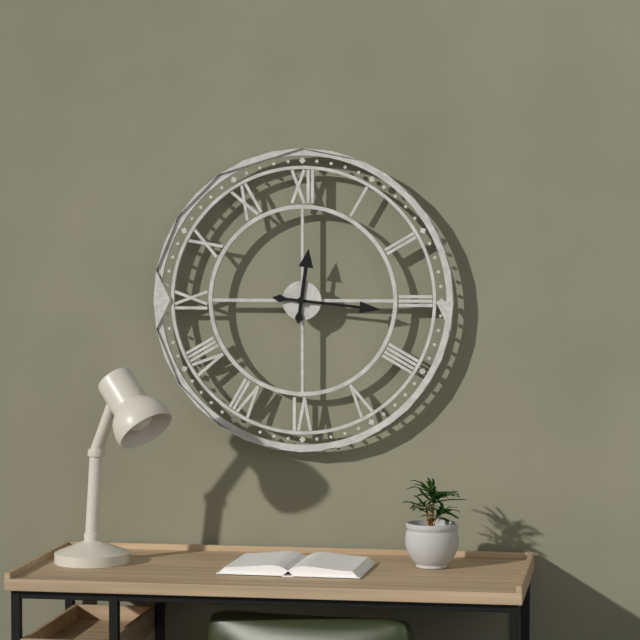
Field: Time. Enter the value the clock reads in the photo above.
12:16
